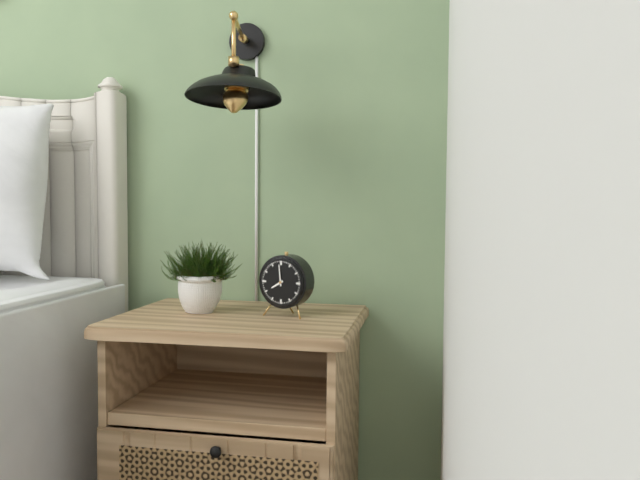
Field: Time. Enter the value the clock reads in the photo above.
7:59
